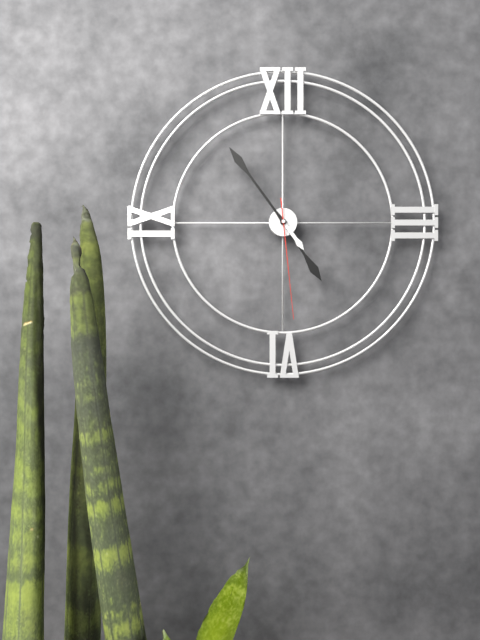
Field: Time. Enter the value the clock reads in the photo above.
4:54:29
